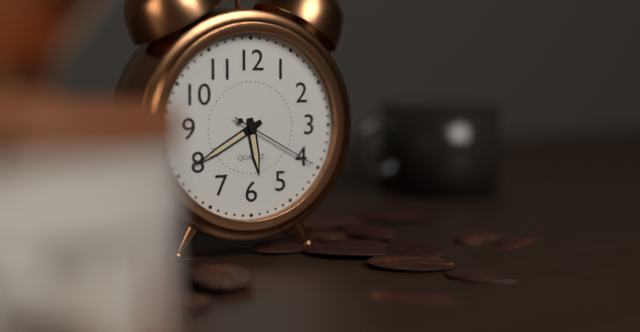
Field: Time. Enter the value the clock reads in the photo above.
5:40:20
